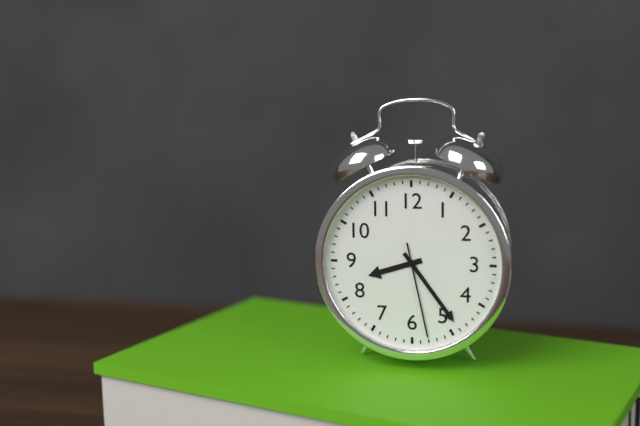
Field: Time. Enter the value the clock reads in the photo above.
8:24:28
